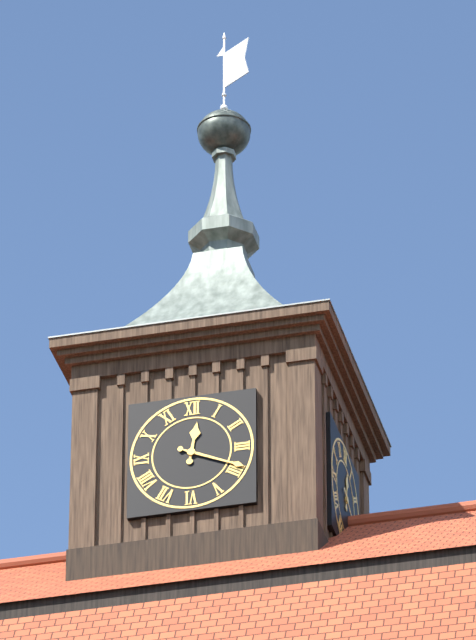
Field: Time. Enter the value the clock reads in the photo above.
12:19
